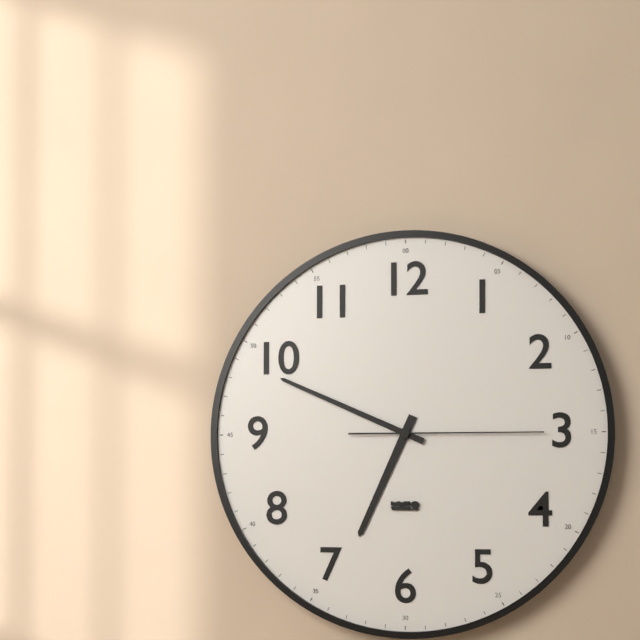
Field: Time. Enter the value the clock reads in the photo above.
6:49:15
